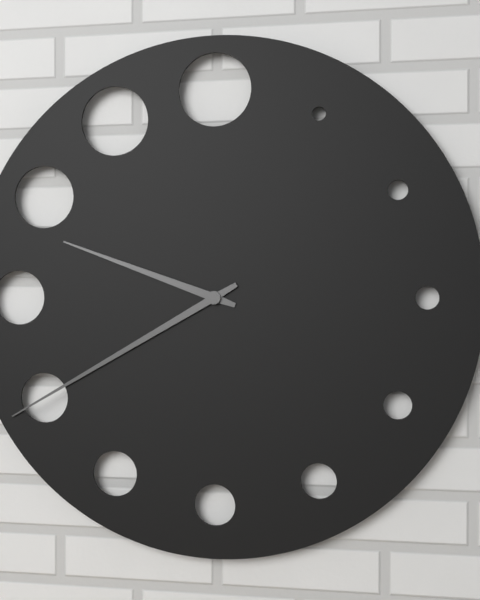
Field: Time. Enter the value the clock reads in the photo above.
9:40
